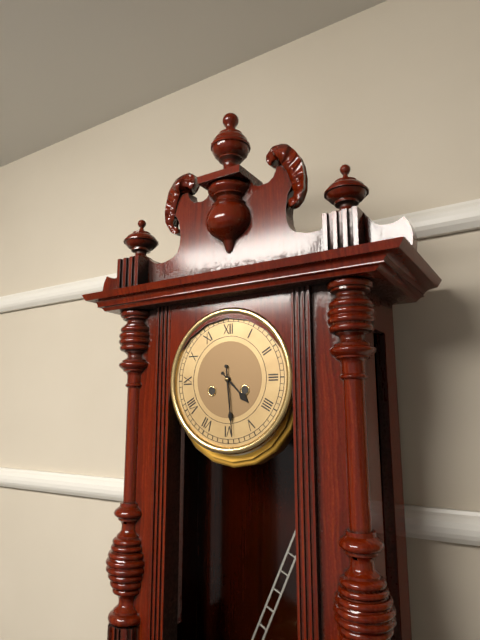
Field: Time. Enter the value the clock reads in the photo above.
4:29
